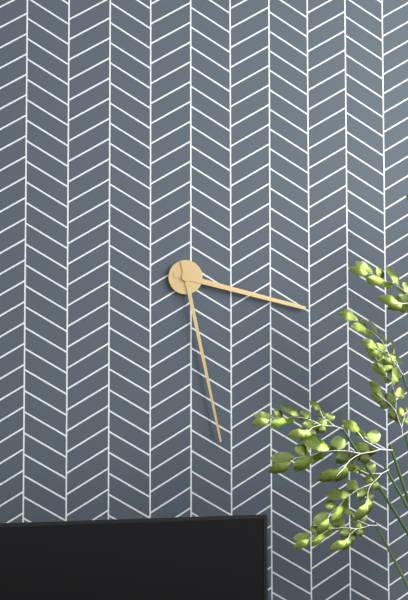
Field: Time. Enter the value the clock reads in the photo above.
3:28
